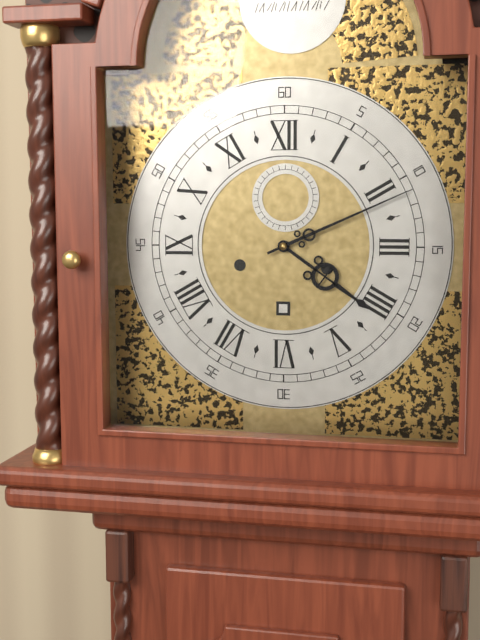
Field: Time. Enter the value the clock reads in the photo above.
4:11
